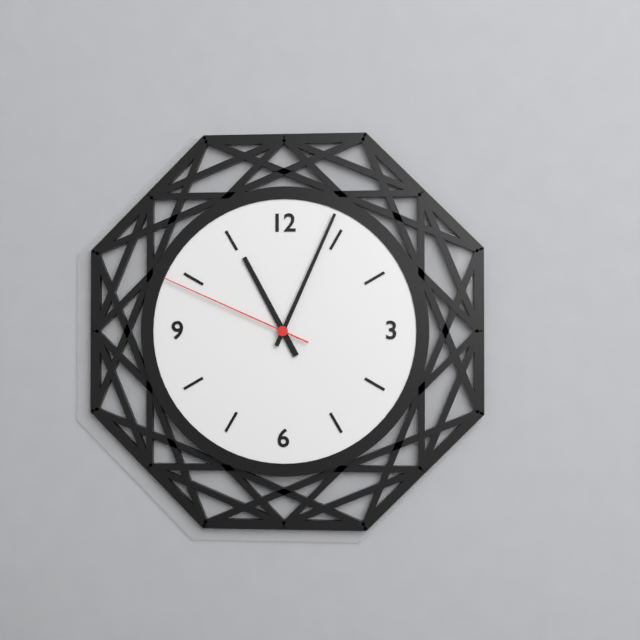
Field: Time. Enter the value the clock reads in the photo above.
11:04:49
